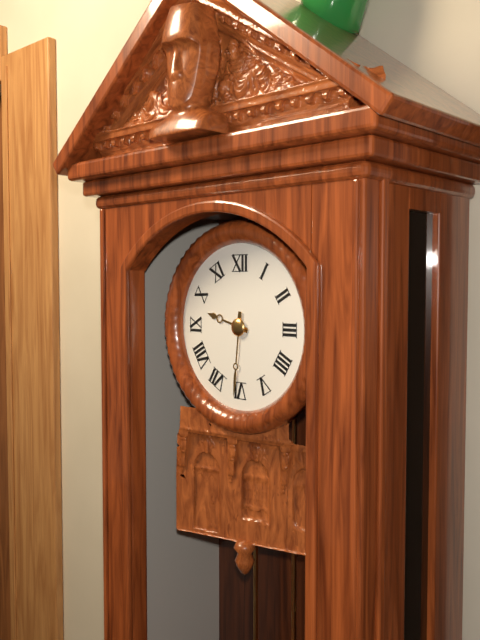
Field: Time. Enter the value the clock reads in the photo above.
9:31
